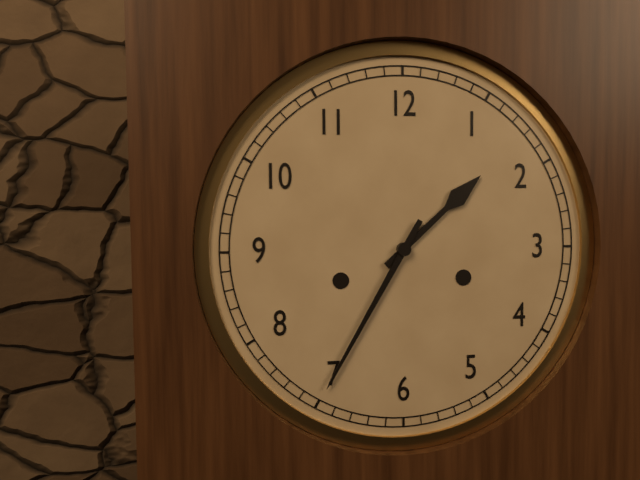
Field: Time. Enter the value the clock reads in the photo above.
1:35
